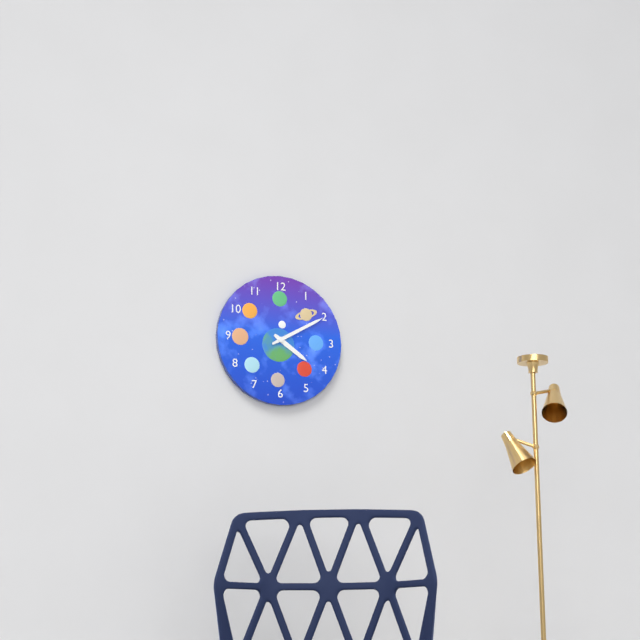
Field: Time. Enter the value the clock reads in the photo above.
4:10
